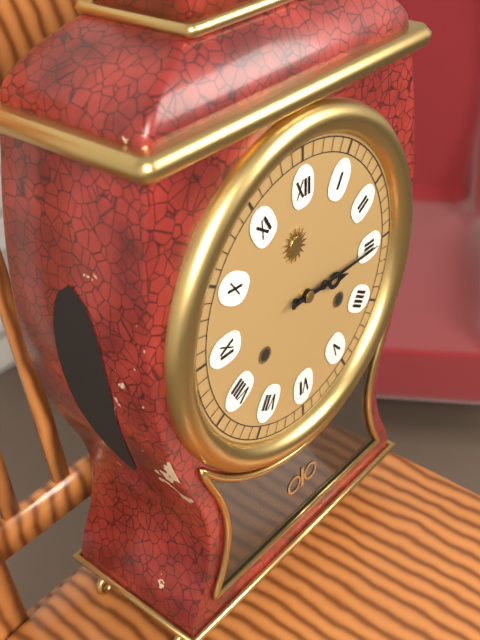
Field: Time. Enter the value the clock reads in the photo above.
3:15
